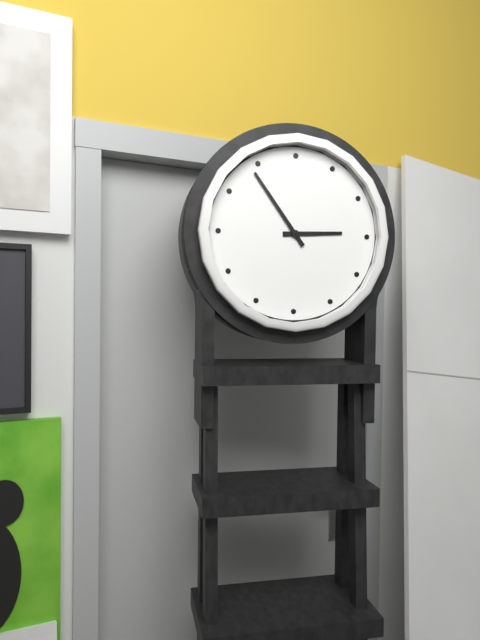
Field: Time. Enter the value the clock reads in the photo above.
2:54
